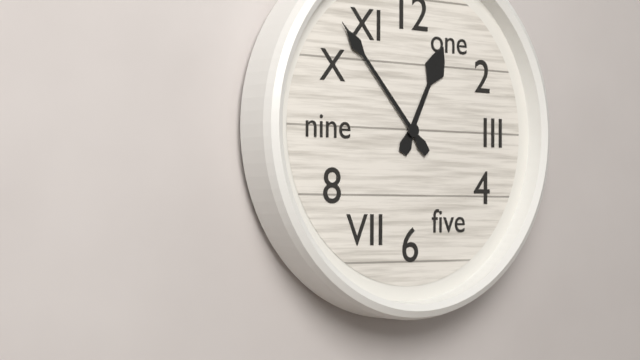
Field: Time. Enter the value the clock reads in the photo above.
12:53
